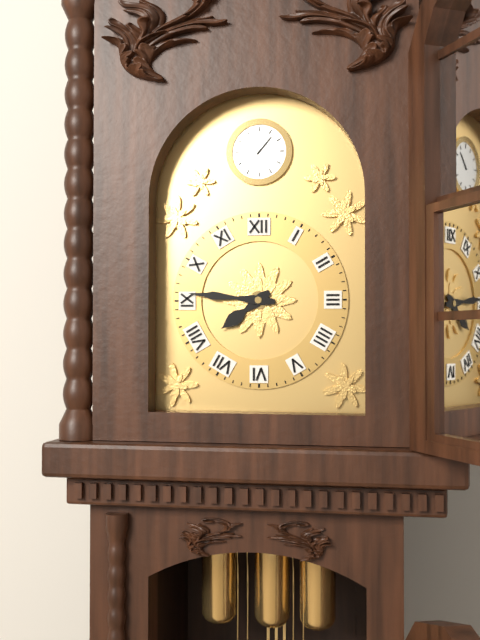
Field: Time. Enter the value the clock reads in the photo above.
7:46
